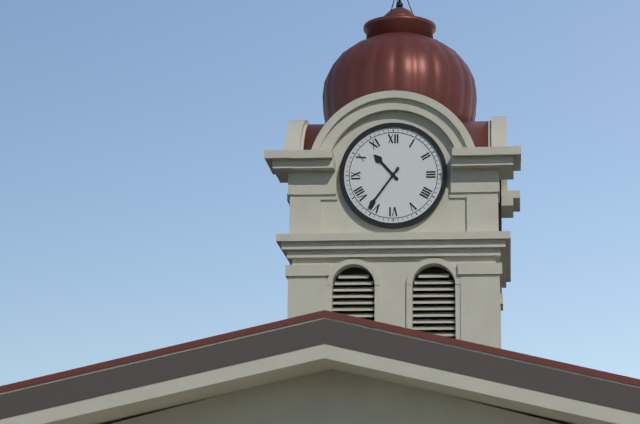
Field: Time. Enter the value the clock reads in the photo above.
10:36
